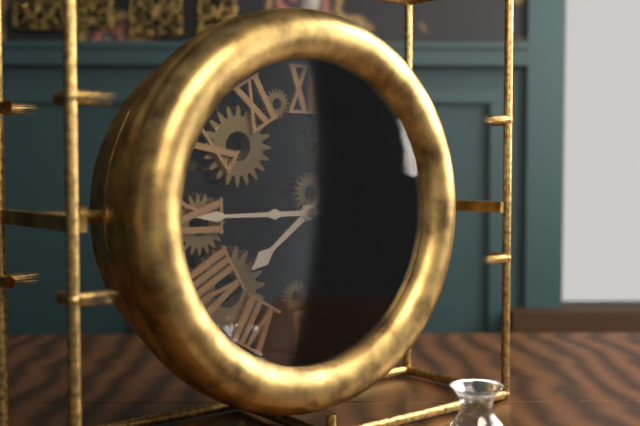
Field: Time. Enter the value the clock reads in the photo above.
7:45
